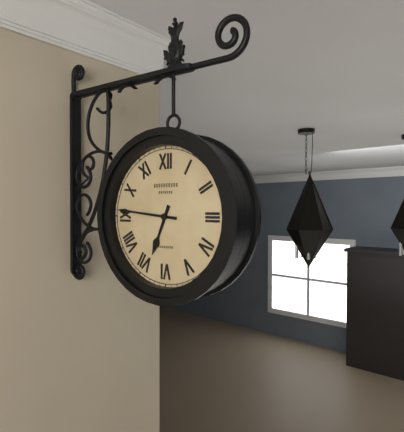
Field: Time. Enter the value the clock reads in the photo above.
6:46
